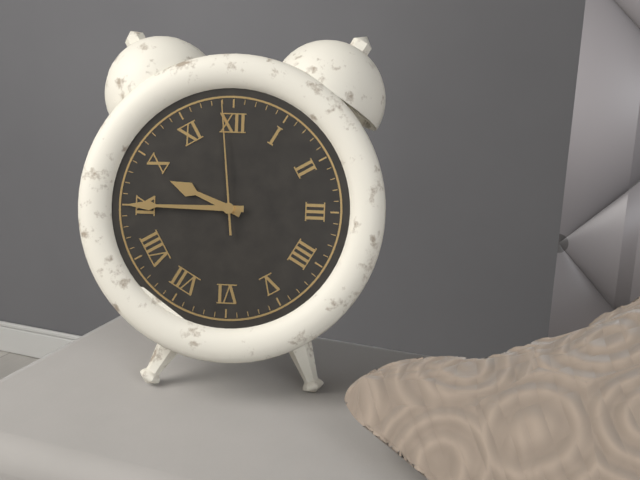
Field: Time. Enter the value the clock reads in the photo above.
9:45:59
